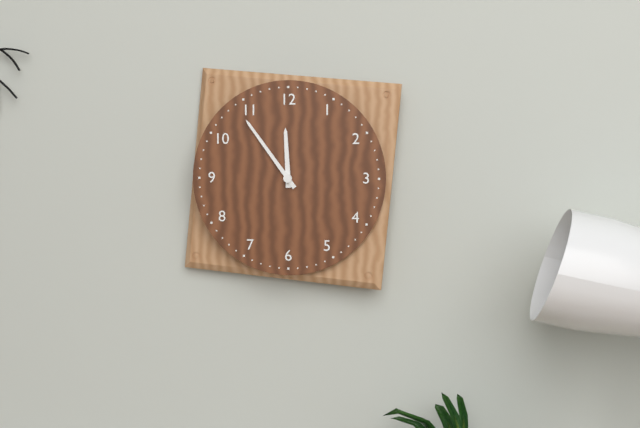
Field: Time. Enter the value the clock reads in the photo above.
11:54
